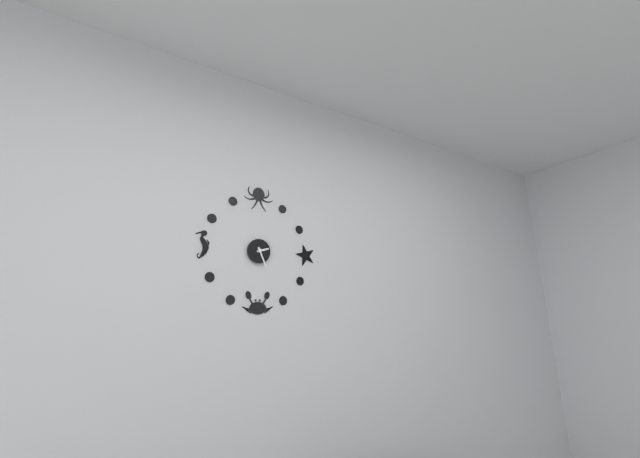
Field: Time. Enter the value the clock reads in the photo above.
2:26
